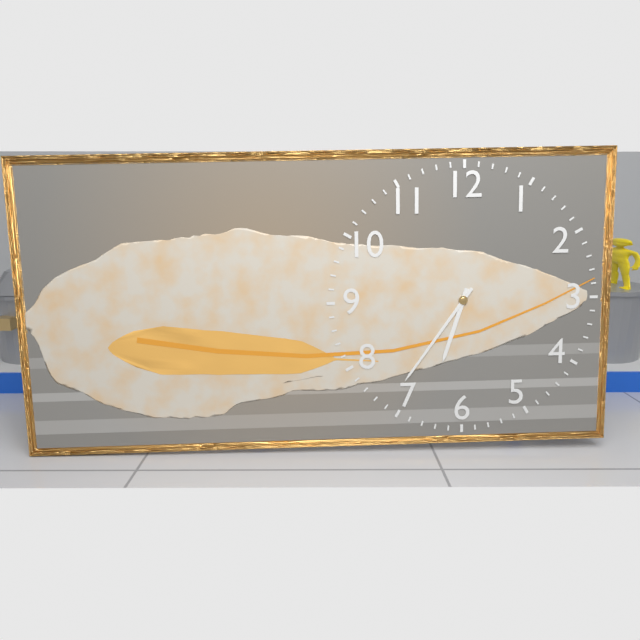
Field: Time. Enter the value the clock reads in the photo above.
6:36
